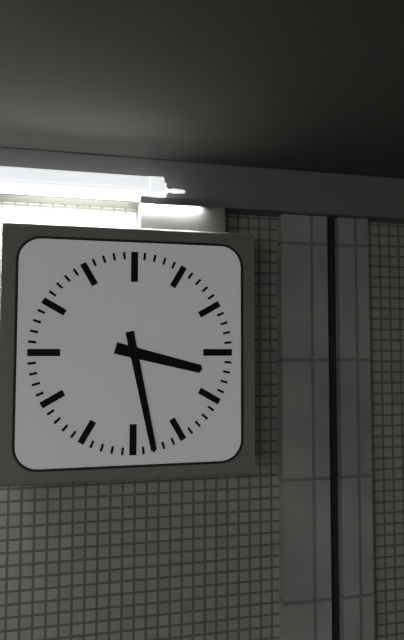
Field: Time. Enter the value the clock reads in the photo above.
3:28
